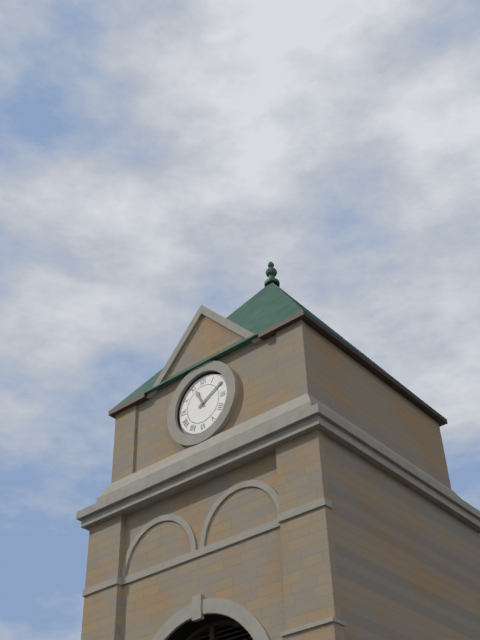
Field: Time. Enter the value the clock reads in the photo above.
11:10
